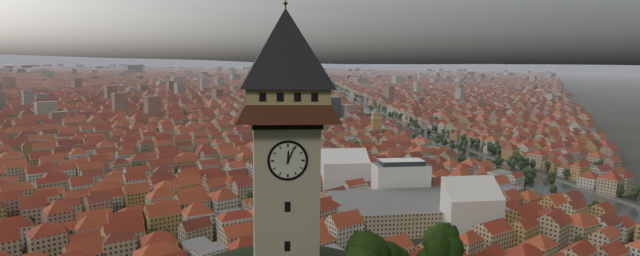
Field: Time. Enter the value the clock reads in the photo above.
12:04
